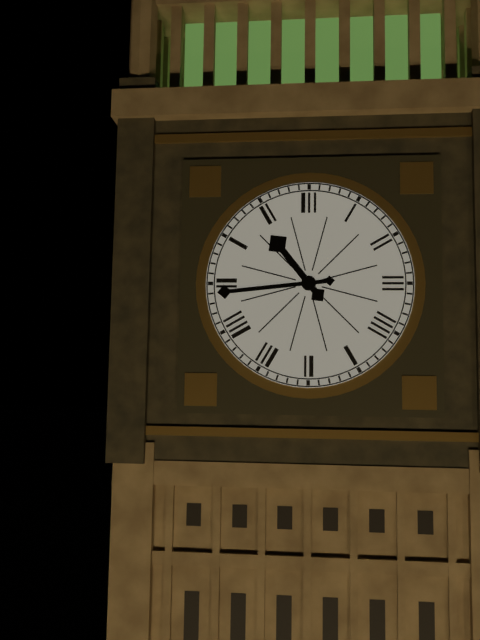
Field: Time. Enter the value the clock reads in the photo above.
10:44
